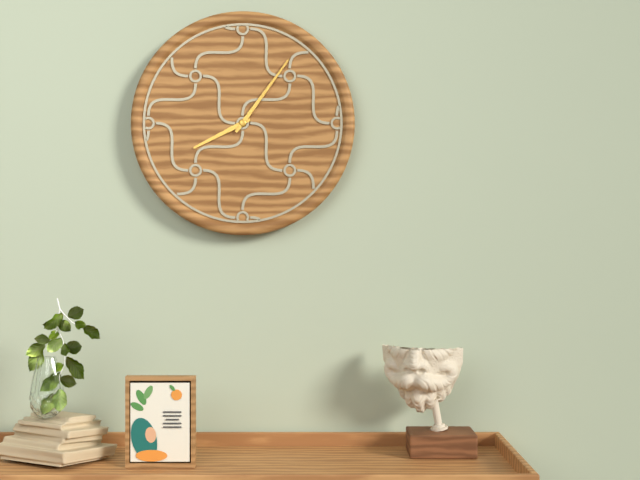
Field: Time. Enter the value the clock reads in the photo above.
8:06
